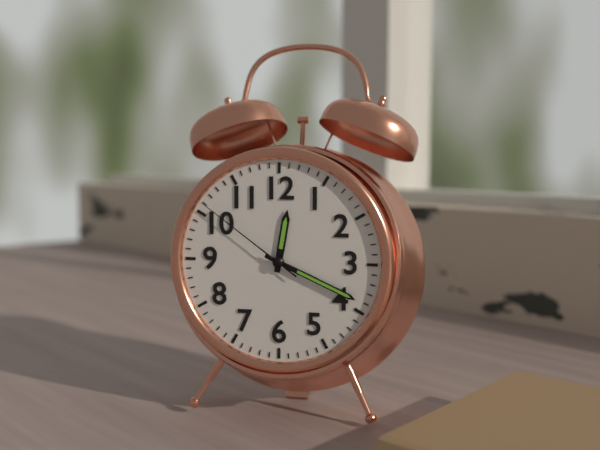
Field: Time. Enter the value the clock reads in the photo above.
12:19:51
